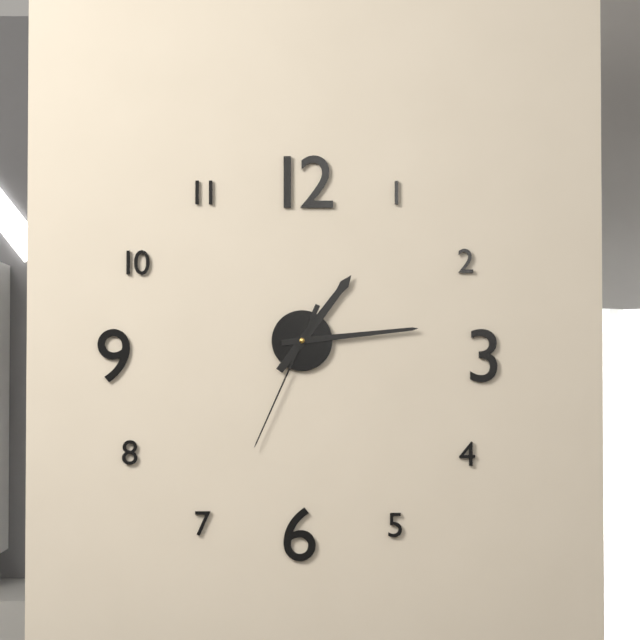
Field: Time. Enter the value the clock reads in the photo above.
1:14:34
